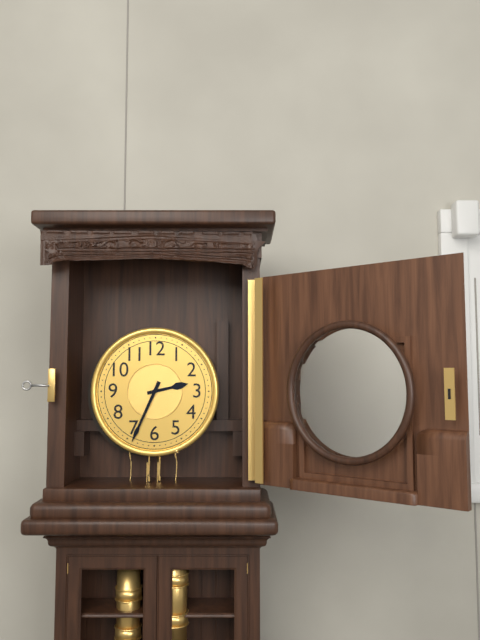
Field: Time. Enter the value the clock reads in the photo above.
2:34
